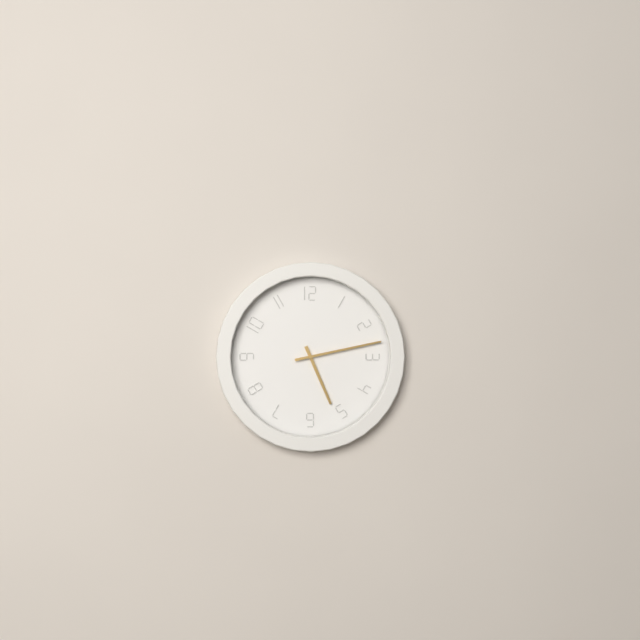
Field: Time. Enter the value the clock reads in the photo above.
5:13
